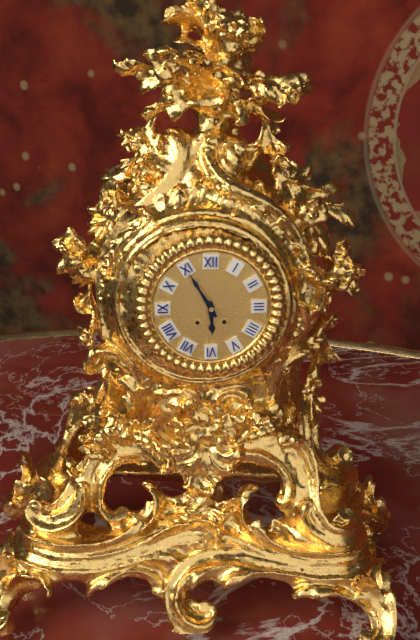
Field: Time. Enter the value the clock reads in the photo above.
5:55
